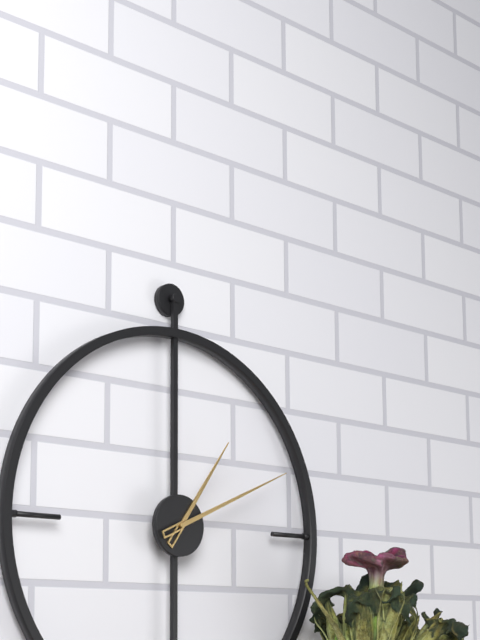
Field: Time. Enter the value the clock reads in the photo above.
1:11
